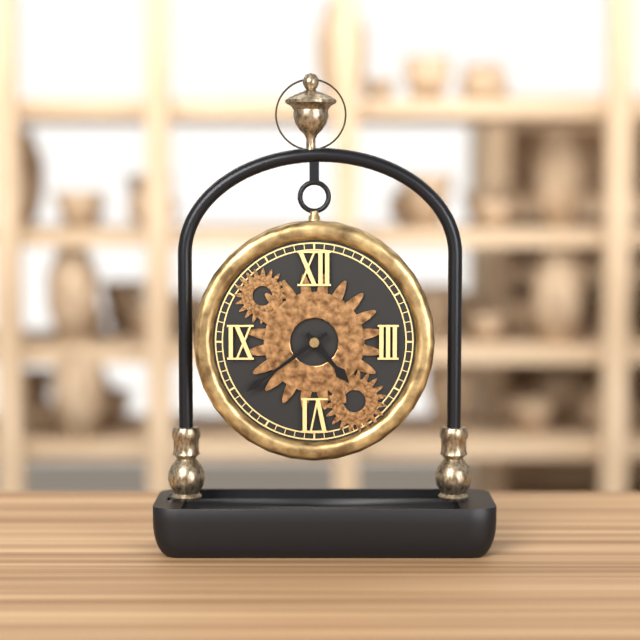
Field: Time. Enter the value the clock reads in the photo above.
4:39
